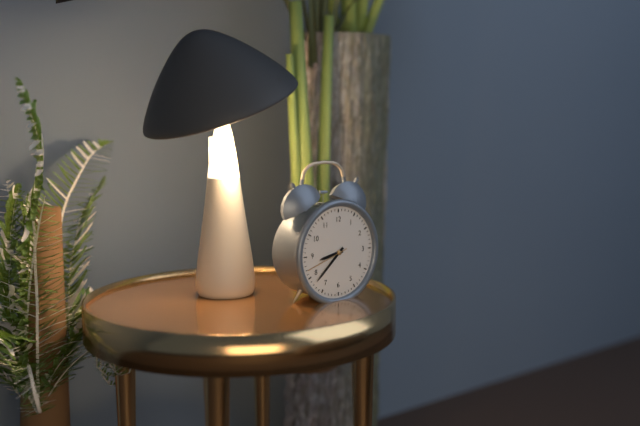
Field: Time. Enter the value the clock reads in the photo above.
8:38
